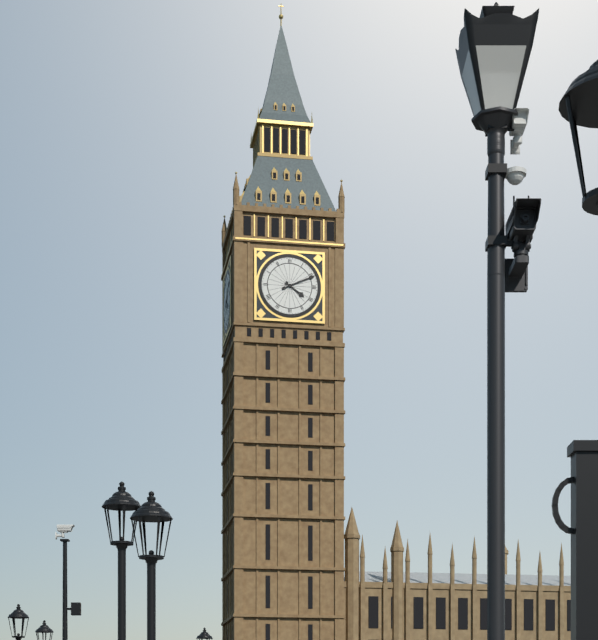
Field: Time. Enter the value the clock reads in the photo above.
4:11
